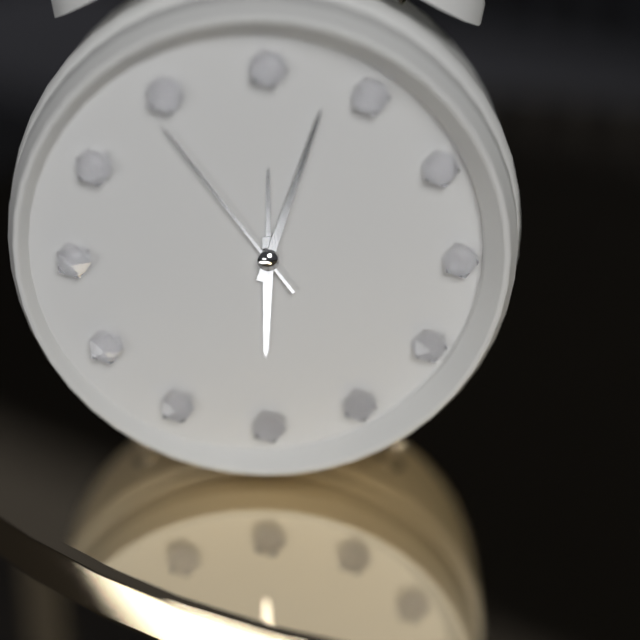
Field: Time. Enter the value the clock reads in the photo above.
6:03:54
